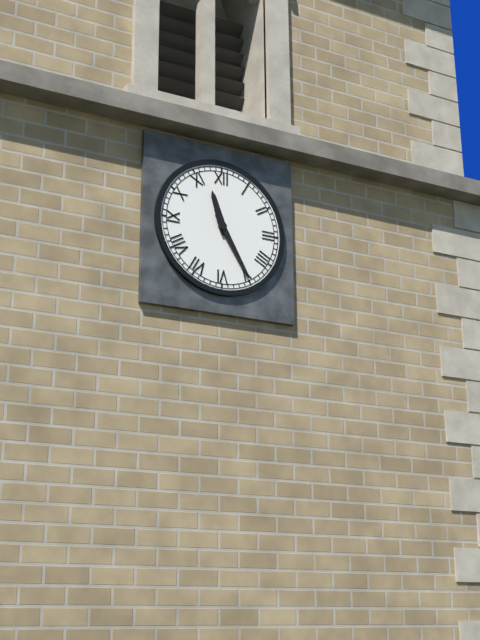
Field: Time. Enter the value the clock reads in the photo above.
11:25
